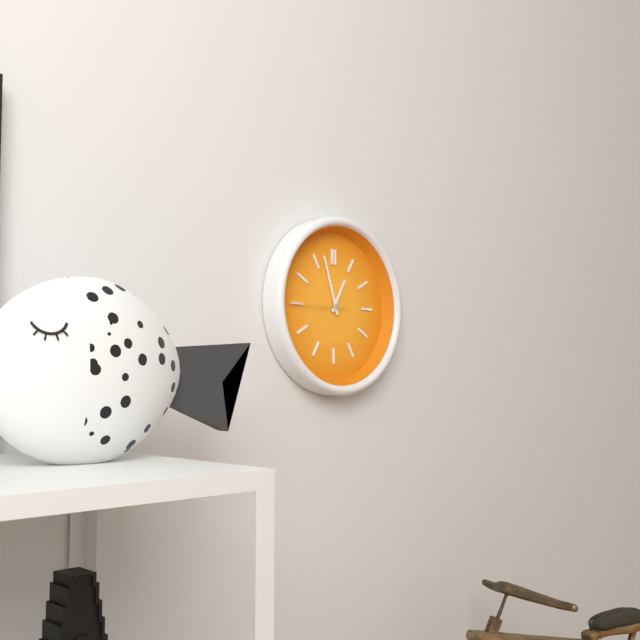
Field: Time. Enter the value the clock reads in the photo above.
12:57
